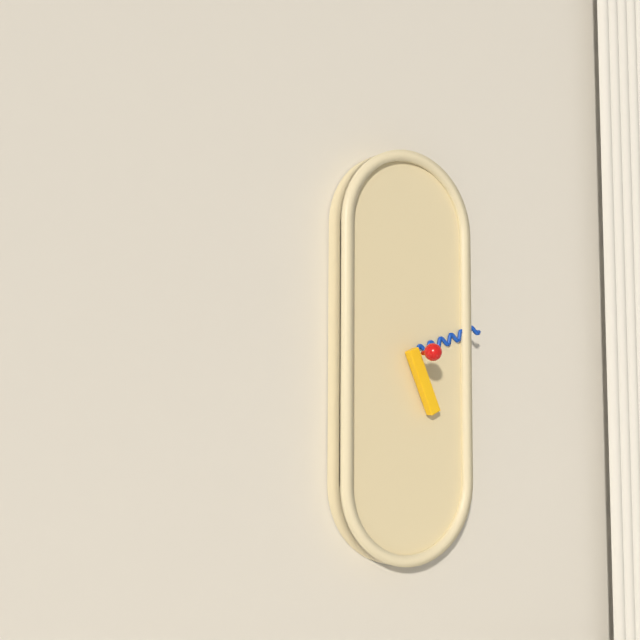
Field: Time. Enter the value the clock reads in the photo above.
5:12
